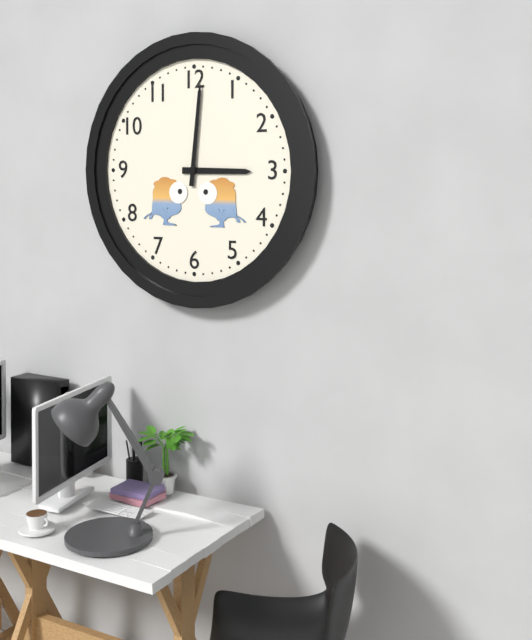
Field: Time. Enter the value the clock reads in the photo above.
3:01
